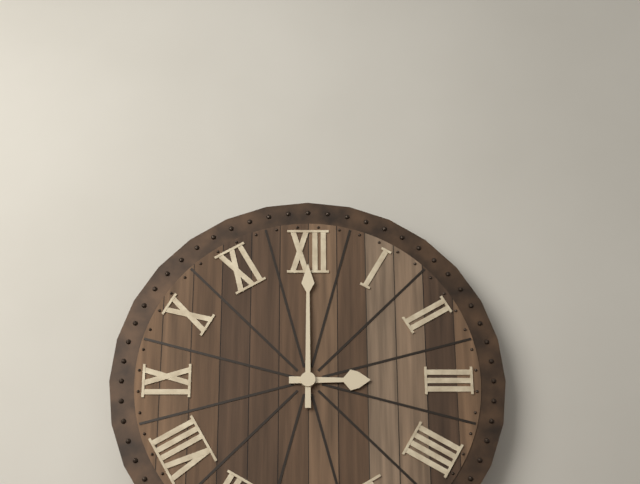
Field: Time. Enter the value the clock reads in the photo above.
3:00
